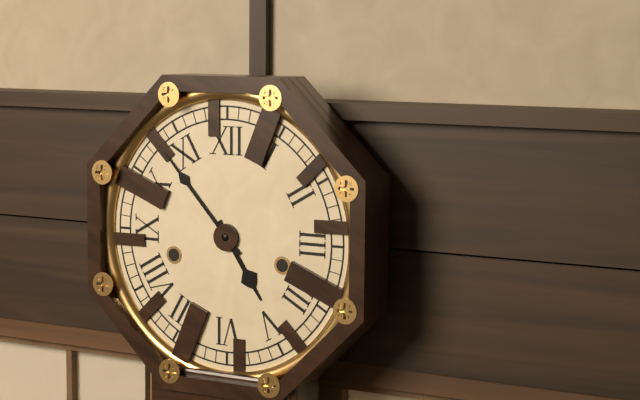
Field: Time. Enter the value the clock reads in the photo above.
4:53
